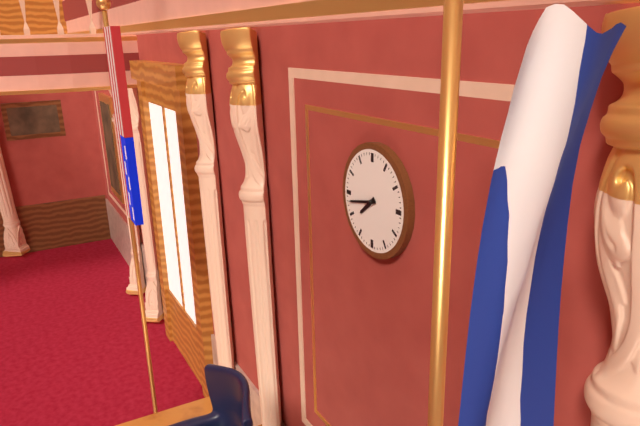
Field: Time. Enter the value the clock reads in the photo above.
7:43
